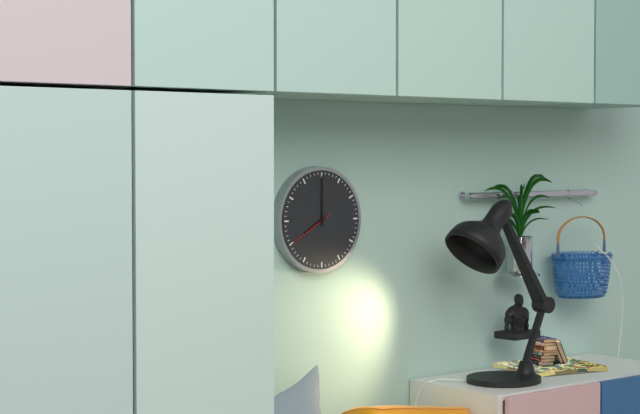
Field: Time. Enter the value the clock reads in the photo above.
8:00:40
